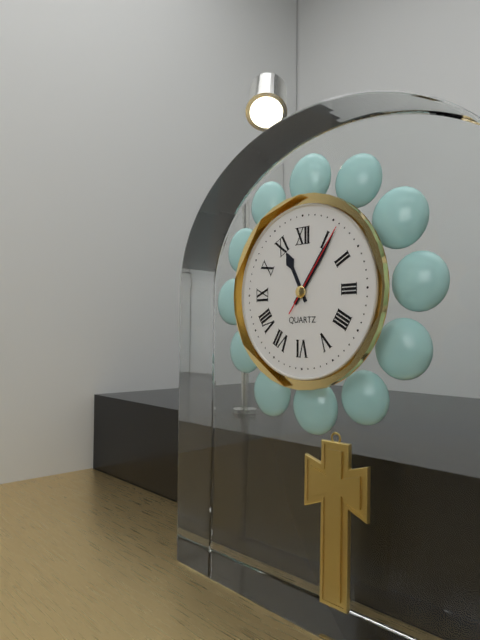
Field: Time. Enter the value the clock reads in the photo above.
11:06:06
